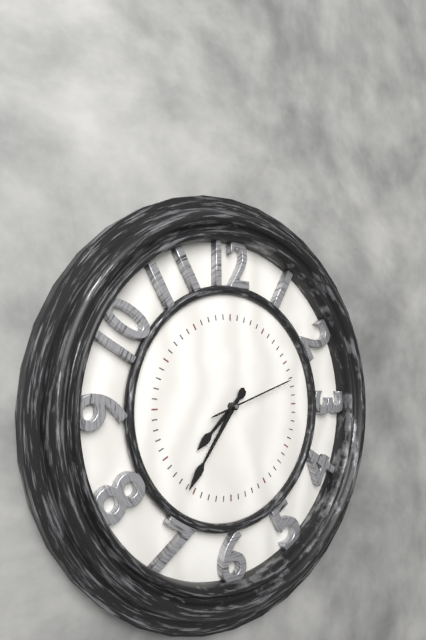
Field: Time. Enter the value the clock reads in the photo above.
7:36:12
